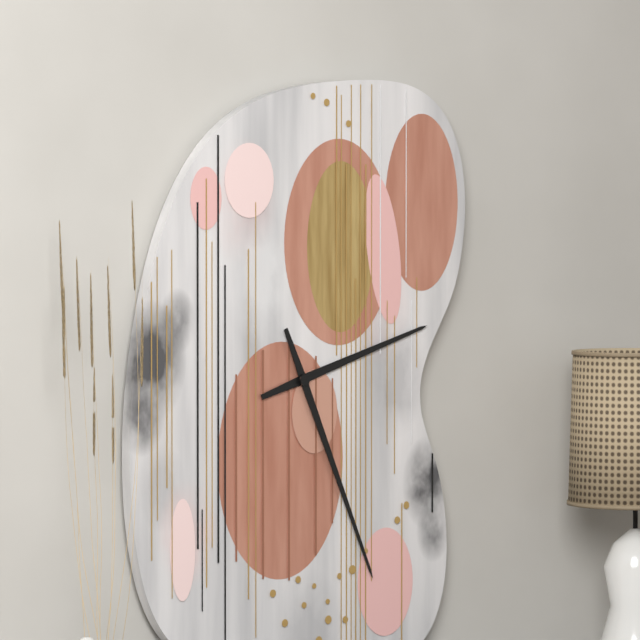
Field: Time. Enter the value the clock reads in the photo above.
2:26
